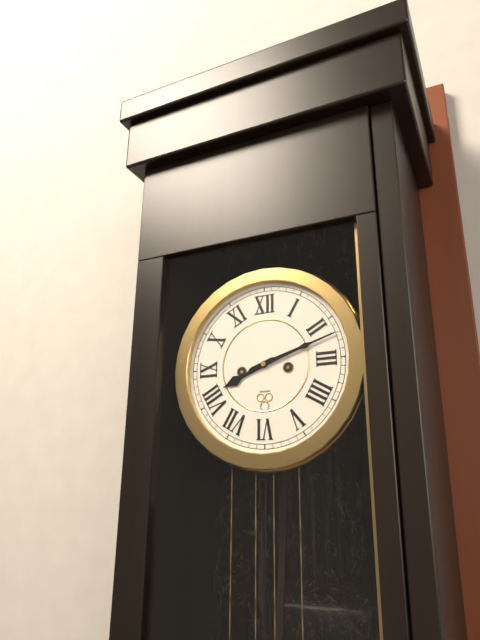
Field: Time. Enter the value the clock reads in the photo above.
8:12
